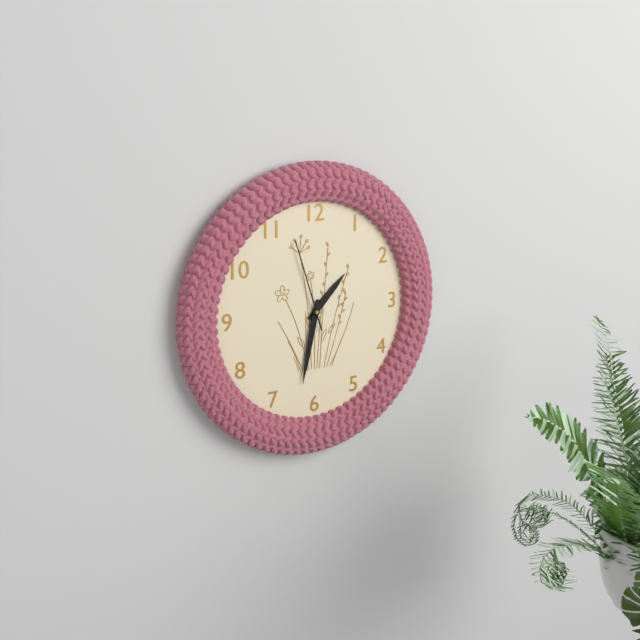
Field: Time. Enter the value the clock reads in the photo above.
1:32:57
